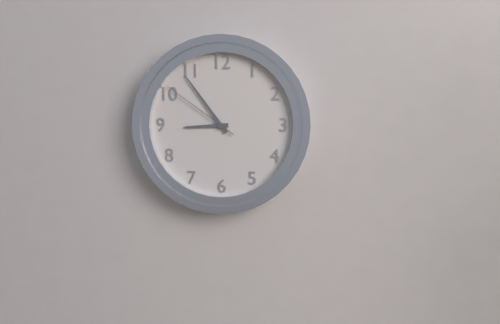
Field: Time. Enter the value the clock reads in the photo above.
8:54:51
